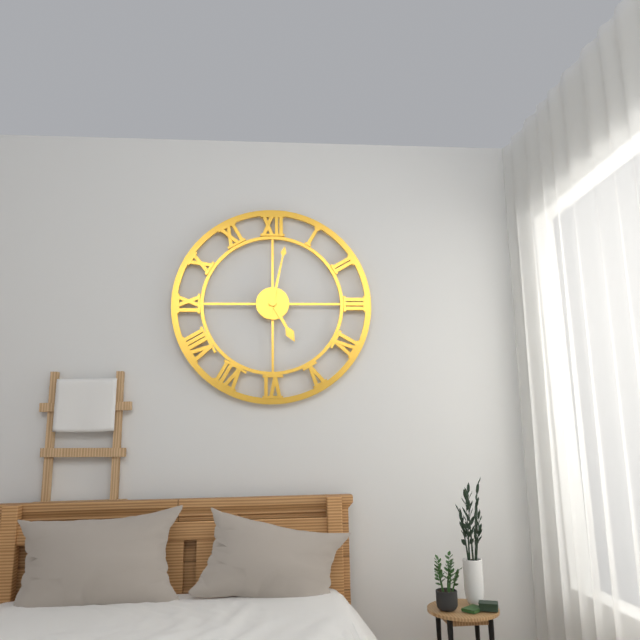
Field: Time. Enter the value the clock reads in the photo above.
5:02
